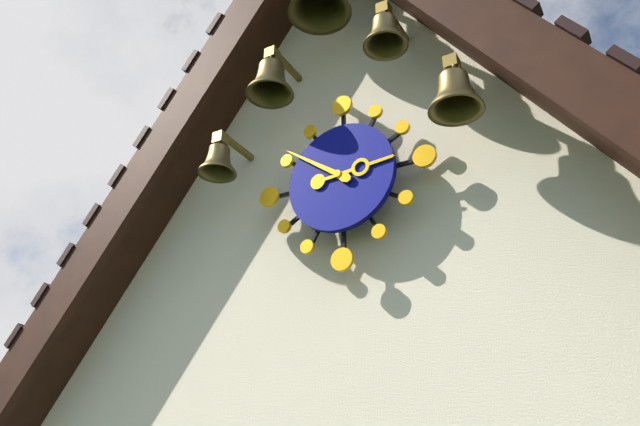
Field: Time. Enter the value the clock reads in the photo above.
2:51
